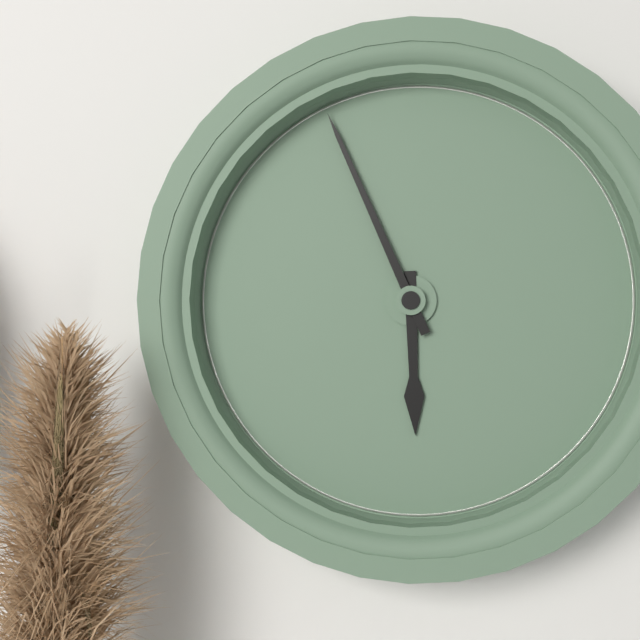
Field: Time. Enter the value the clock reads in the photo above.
5:56
